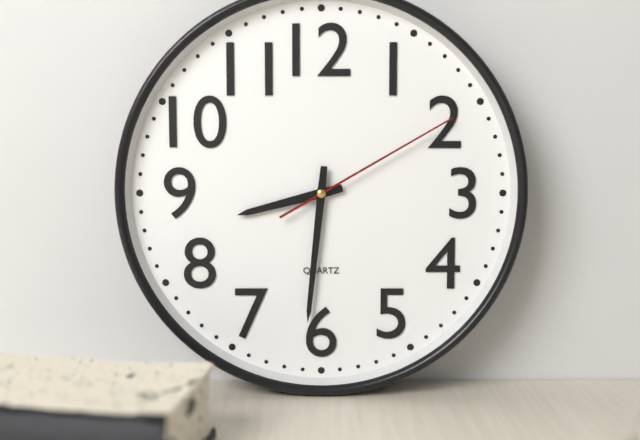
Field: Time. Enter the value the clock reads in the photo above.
8:31:10
